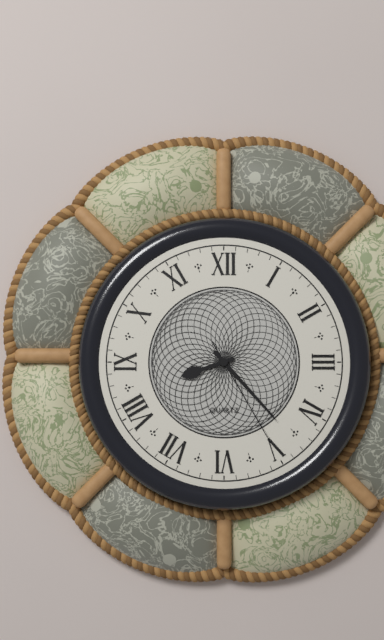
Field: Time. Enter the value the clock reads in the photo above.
8:23:25
